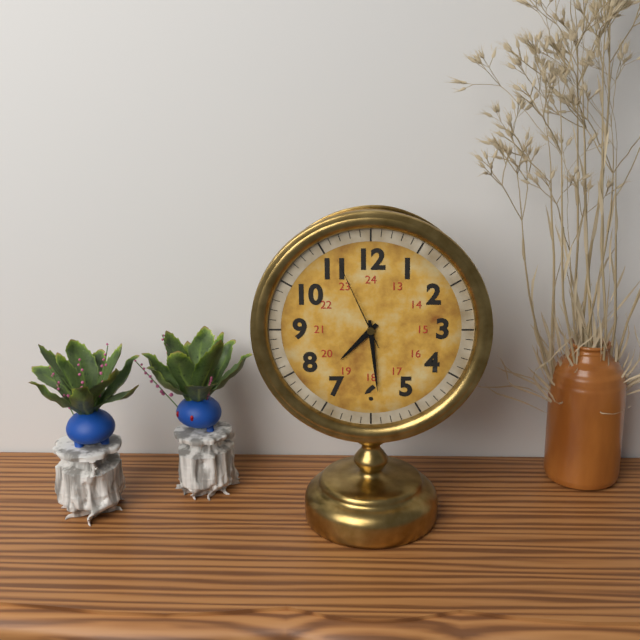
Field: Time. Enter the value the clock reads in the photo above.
7:29:56
